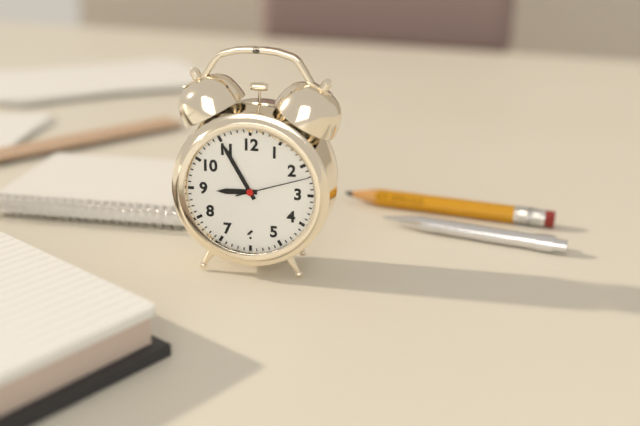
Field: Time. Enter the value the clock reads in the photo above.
8:55:12
